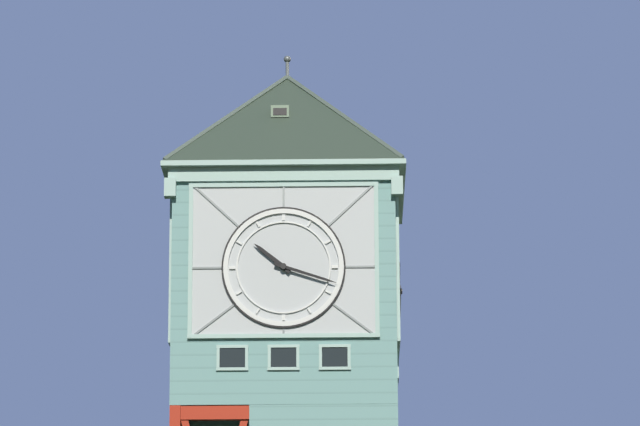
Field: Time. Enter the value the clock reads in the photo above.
10:18
